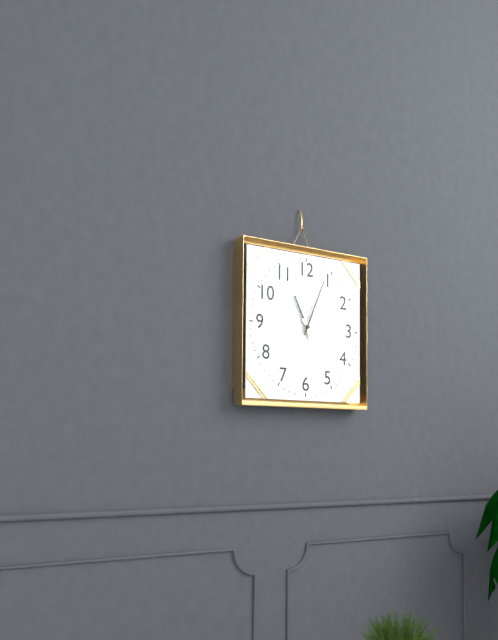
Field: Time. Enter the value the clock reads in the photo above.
11:04
